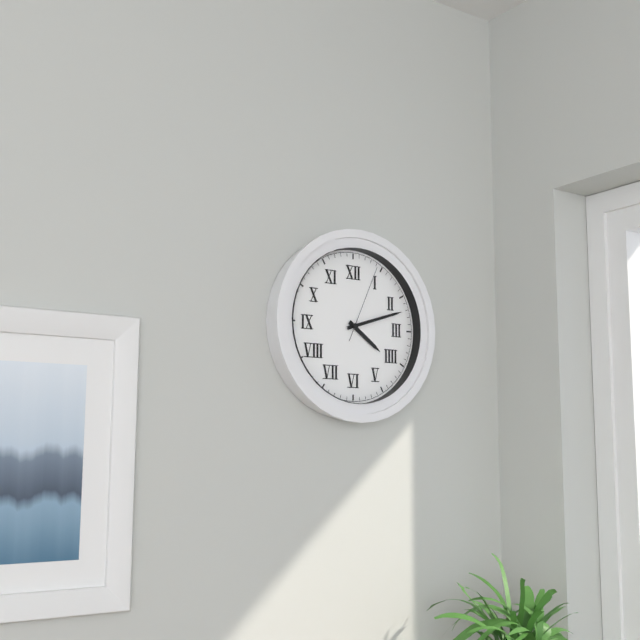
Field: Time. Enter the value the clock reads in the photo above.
4:12:04
